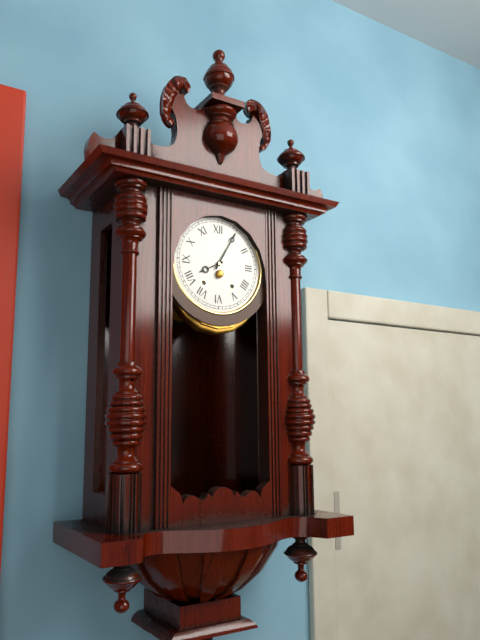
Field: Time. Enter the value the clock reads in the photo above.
8:05
